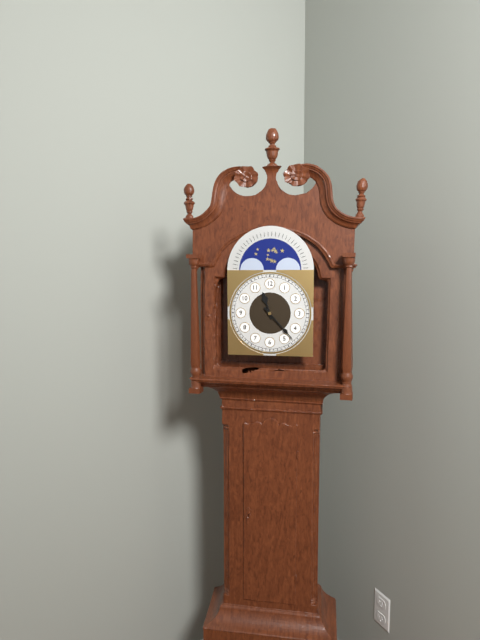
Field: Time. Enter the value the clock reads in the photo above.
11:23
